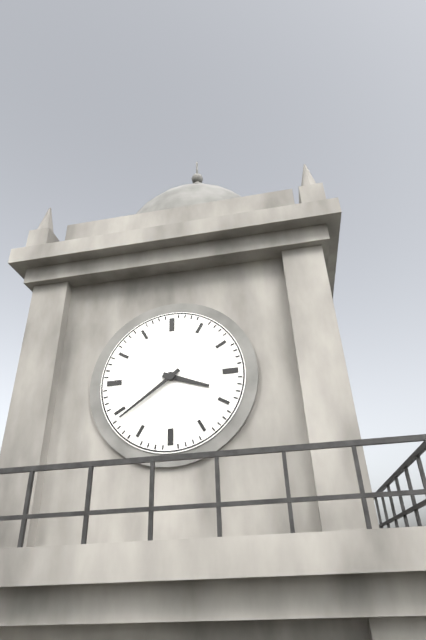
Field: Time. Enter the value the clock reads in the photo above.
3:39
